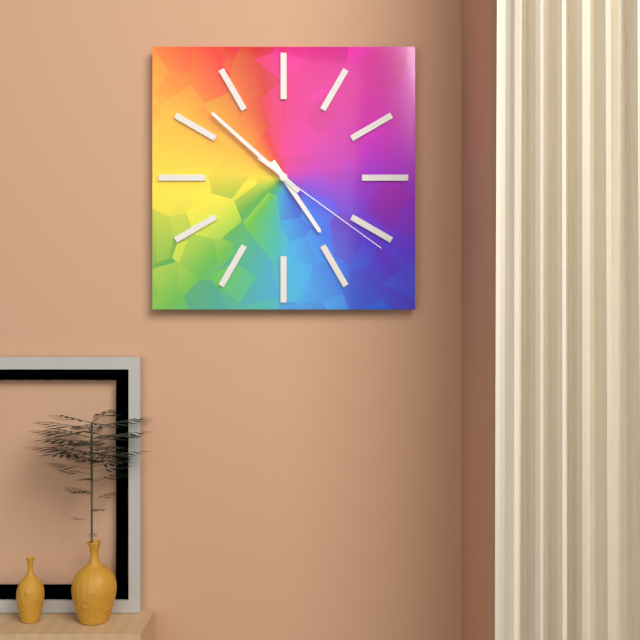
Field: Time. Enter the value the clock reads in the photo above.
4:52:21
